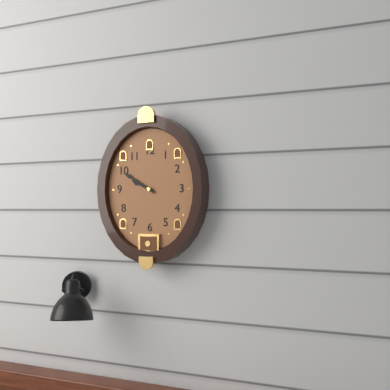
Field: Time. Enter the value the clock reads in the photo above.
9:50
